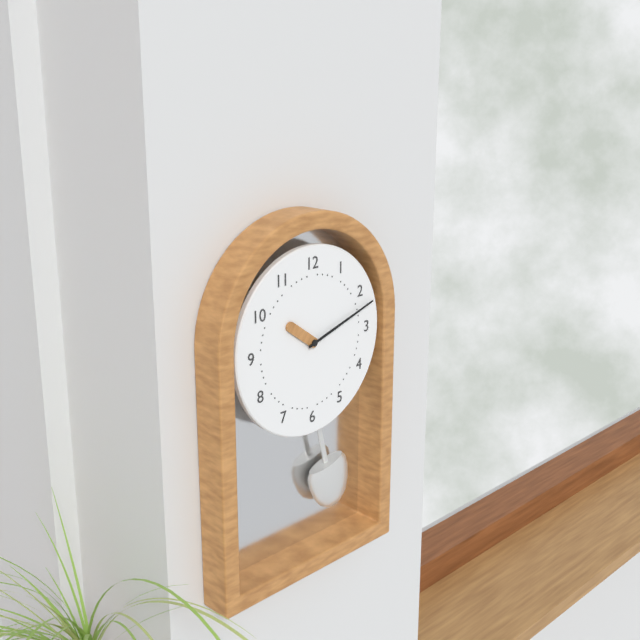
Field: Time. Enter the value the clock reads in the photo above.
10:12
